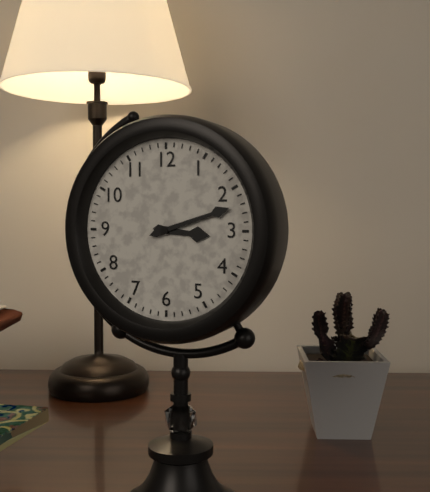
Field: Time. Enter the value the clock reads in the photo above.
3:12
